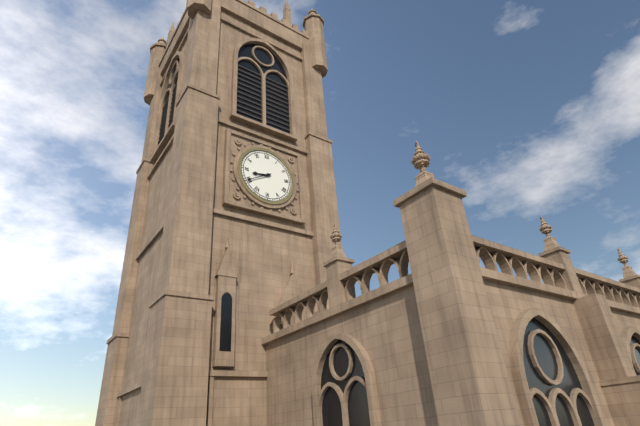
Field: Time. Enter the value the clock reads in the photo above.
8:40
